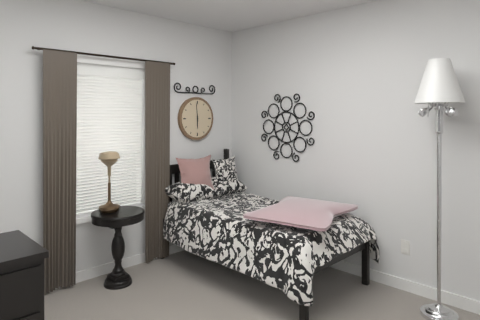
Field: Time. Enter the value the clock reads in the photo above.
5:59
